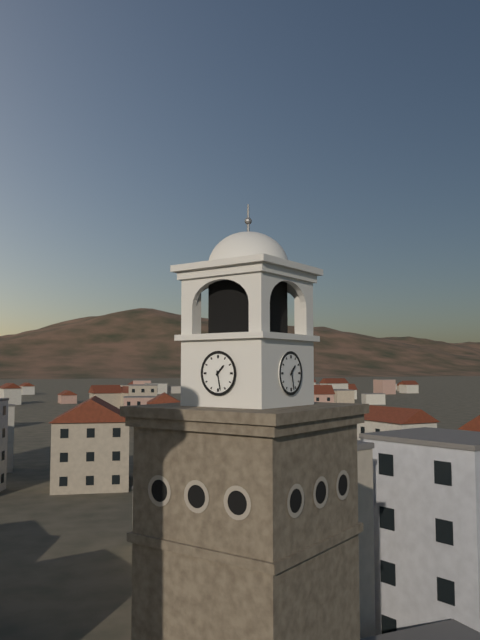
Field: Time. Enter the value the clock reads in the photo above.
1:28
